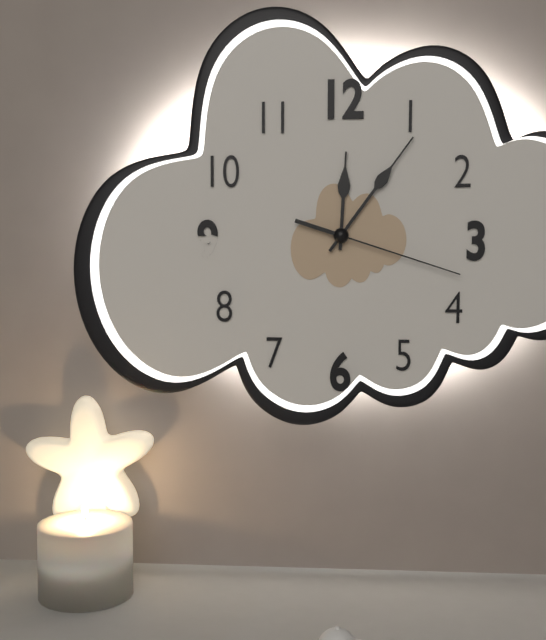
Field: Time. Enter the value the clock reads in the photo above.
12:06:18
